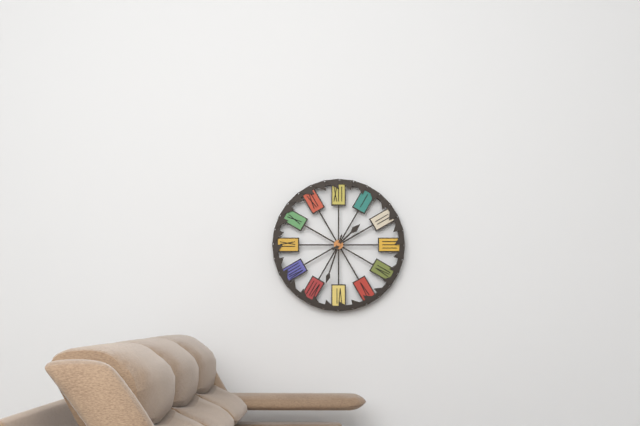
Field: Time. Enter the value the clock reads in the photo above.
1:33
